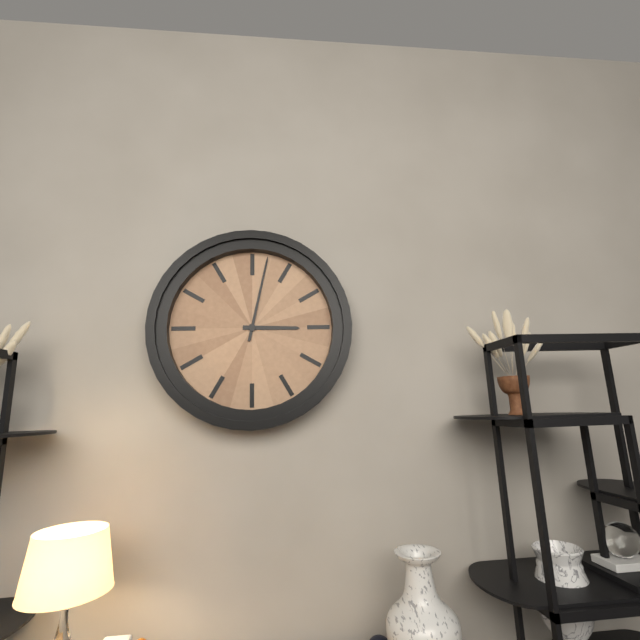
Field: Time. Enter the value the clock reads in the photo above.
3:02
